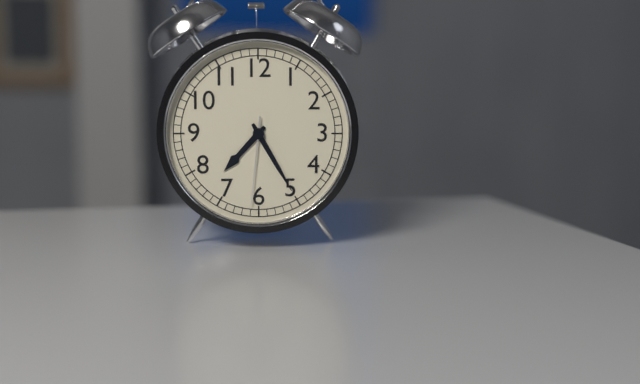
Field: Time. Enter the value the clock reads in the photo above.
7:25:31
